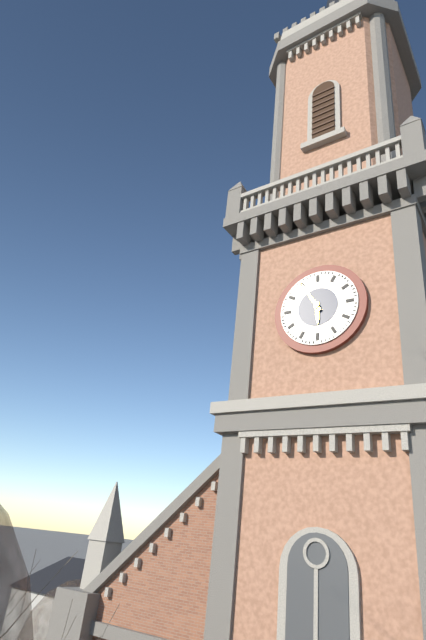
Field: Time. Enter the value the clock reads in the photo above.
5:55
